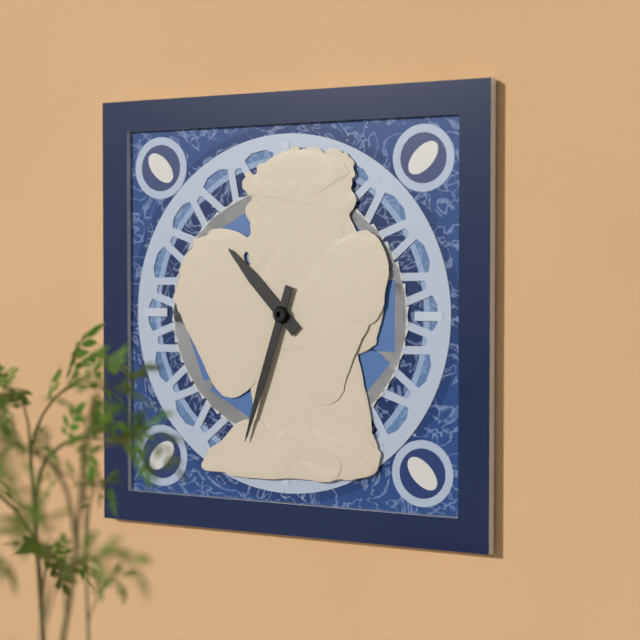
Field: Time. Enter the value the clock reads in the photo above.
10:33
